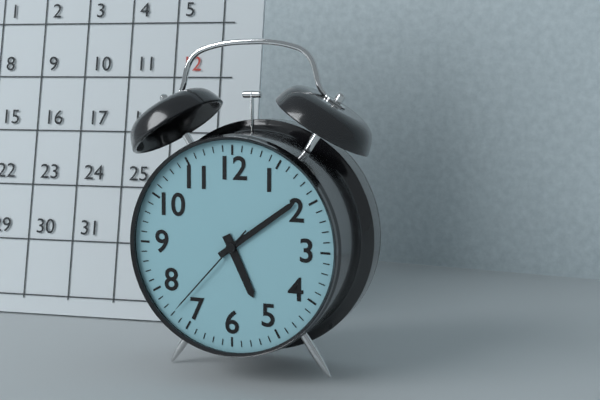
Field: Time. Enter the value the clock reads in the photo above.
5:09:37
